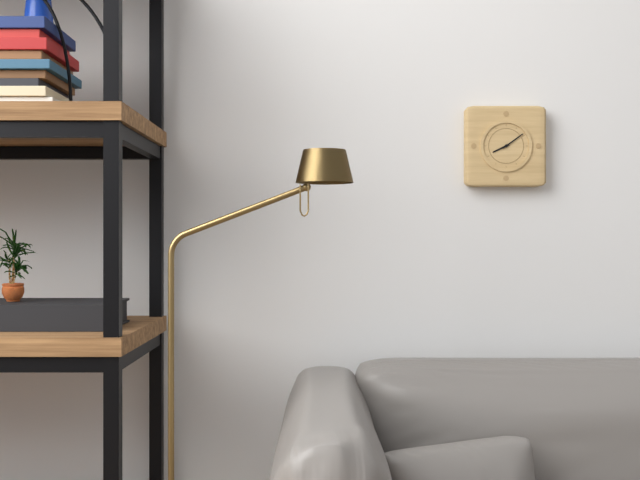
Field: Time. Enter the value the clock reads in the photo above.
8:09
